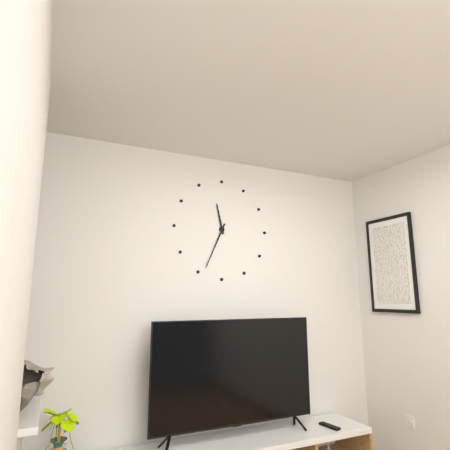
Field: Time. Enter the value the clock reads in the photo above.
11:34
